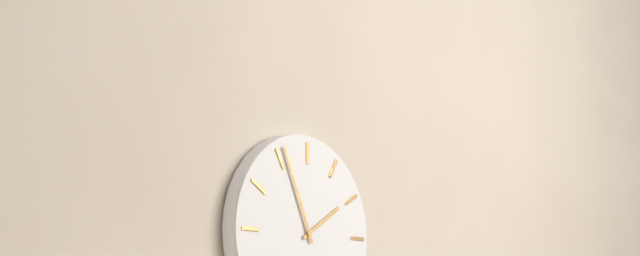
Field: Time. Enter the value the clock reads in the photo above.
1:56
